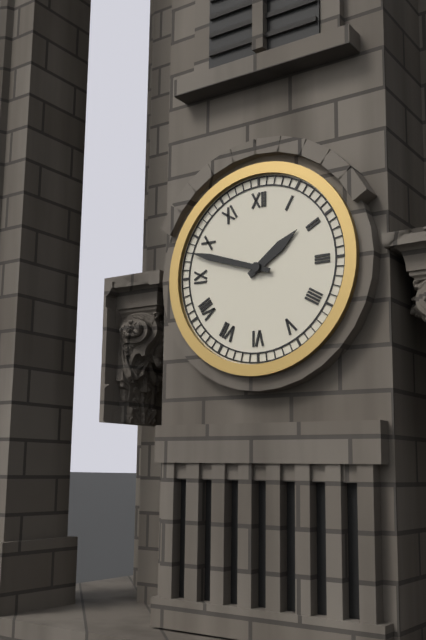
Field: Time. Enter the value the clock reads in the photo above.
1:48
